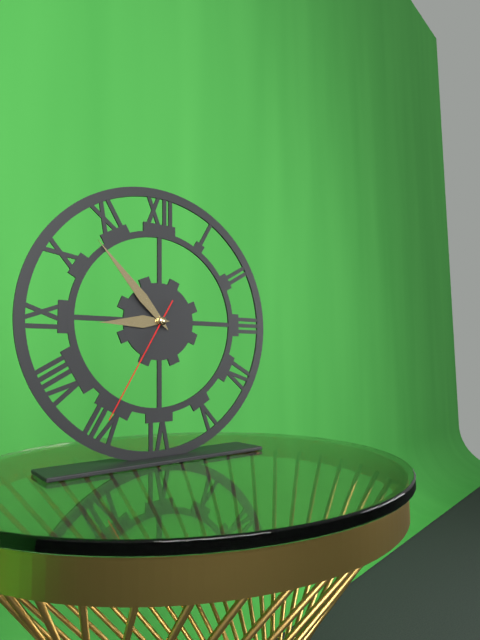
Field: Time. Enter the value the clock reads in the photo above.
8:53:35
